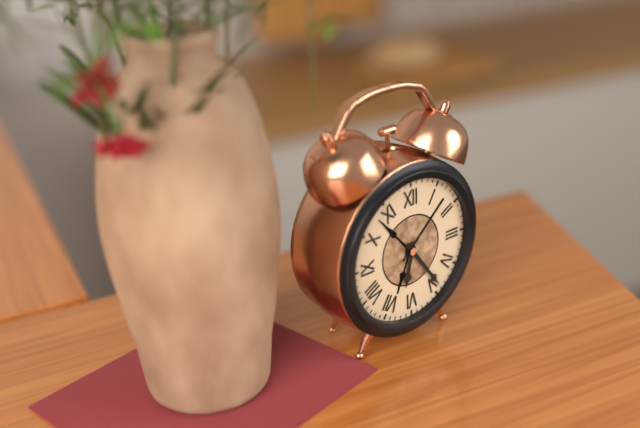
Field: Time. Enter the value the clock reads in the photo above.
6:24
